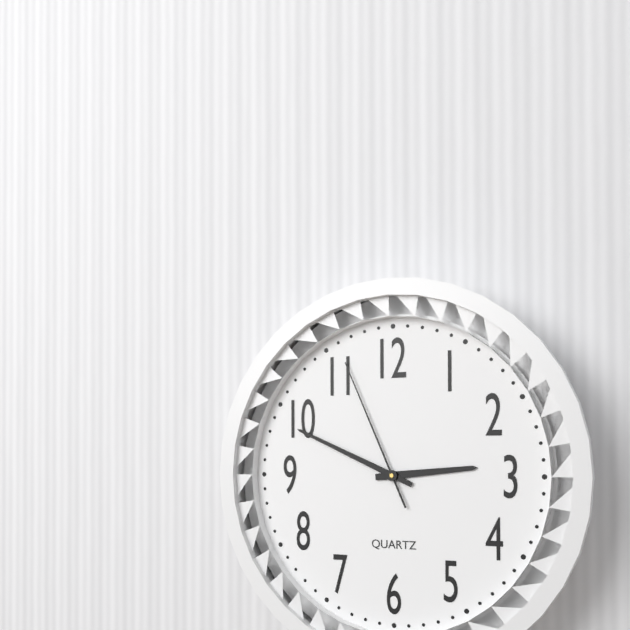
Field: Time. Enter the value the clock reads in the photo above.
2:49:56
